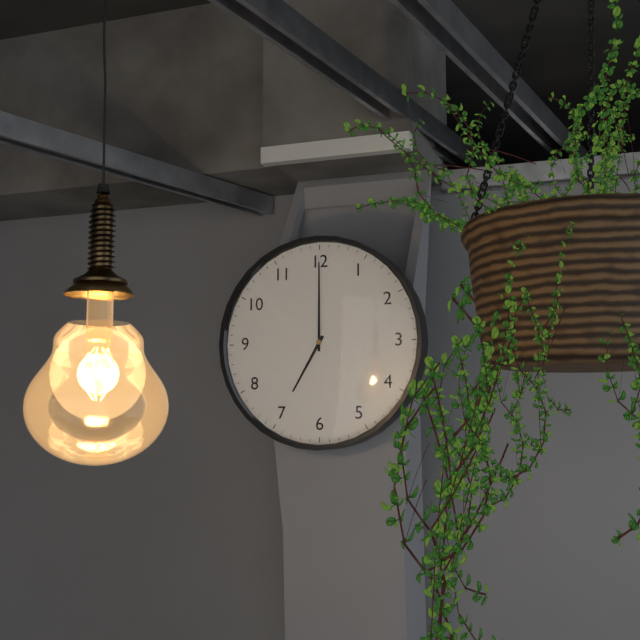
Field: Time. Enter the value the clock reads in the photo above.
7:00
